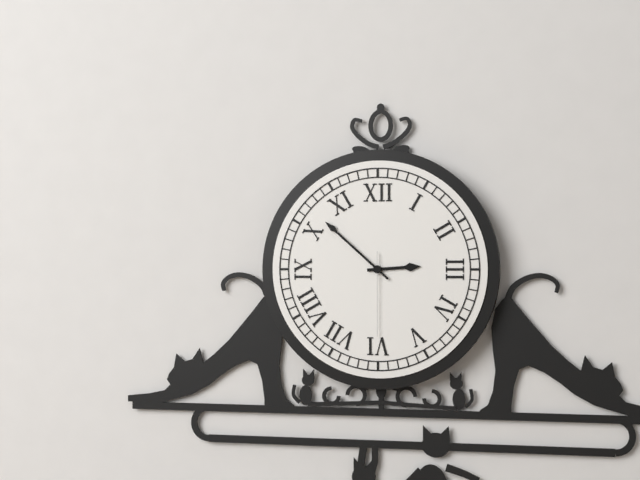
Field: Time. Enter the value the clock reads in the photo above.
2:52:30
